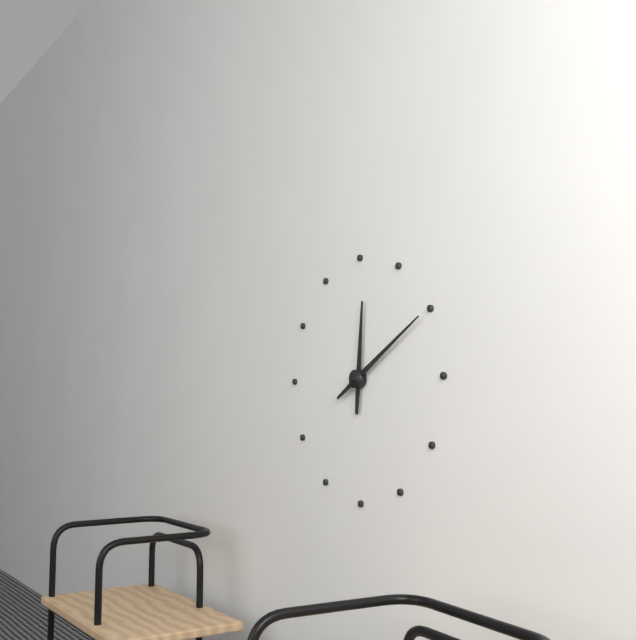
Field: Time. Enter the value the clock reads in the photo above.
12:10
